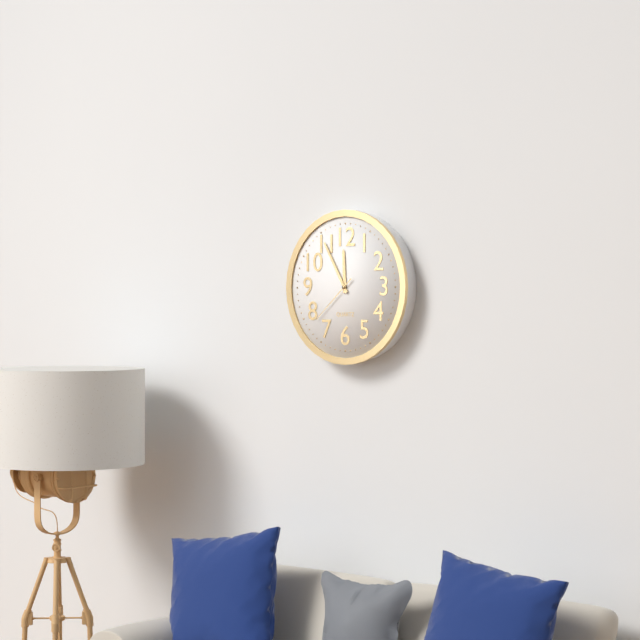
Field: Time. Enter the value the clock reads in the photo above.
11:55:38
